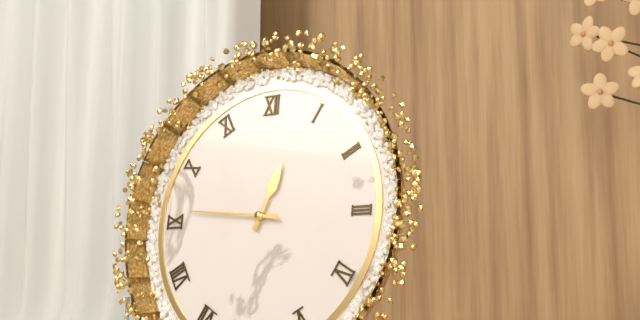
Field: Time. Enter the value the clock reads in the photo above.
12:46
